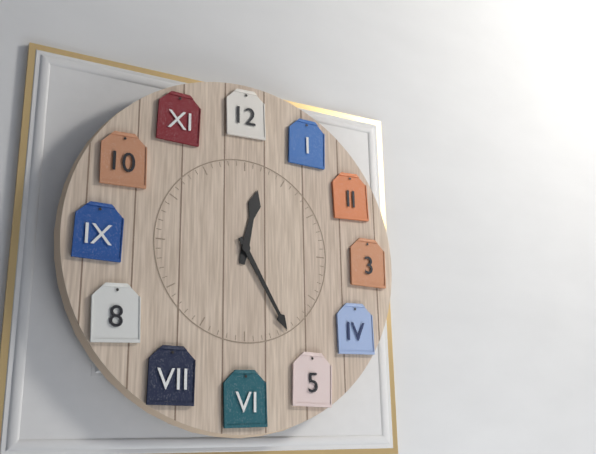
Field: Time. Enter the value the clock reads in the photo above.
12:25
